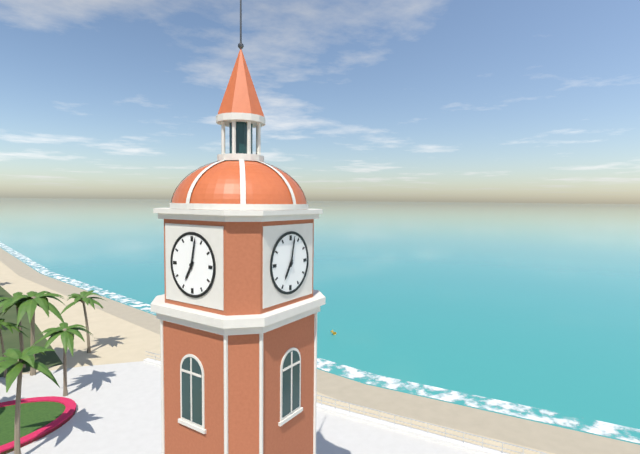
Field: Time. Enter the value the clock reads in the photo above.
7:02
